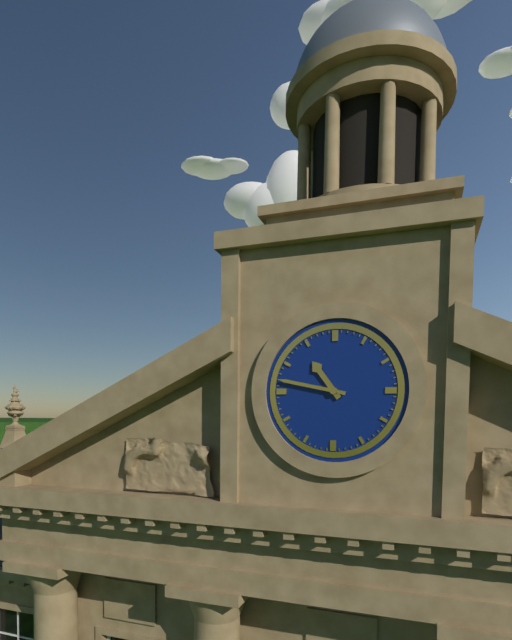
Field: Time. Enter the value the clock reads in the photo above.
10:47
